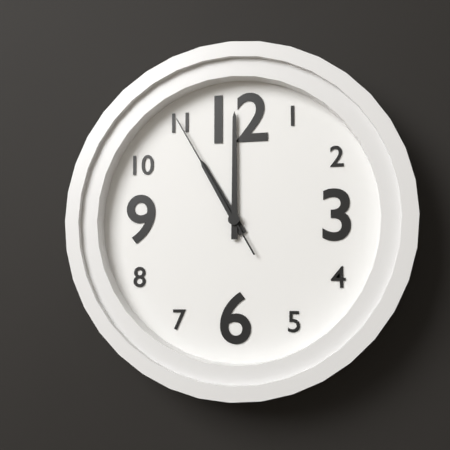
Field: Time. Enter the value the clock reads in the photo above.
11:00:55
